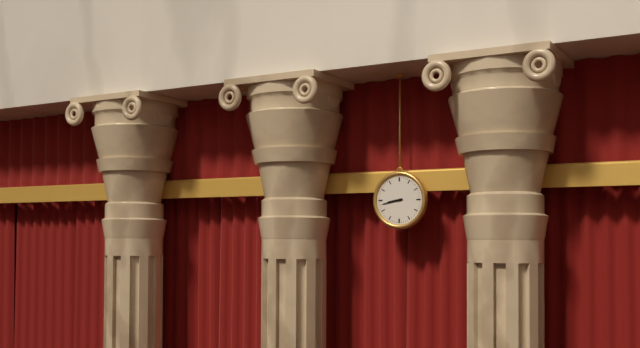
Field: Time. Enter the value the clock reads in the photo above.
8:43
